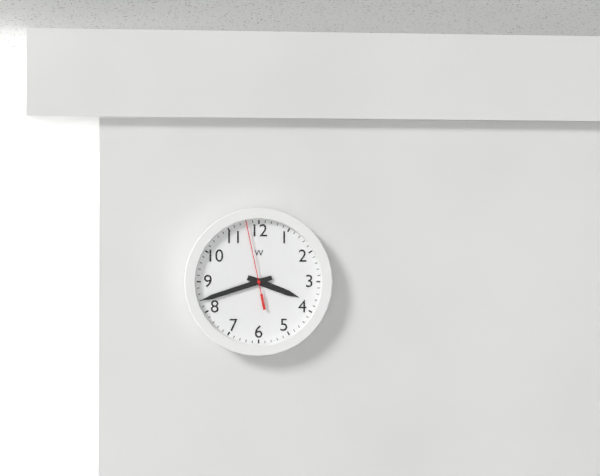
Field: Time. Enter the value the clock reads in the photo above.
3:42:58
